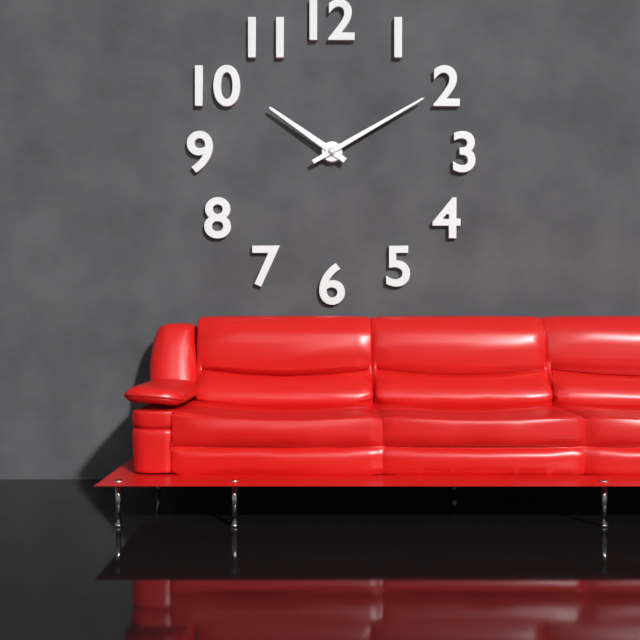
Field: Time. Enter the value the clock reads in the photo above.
10:10
